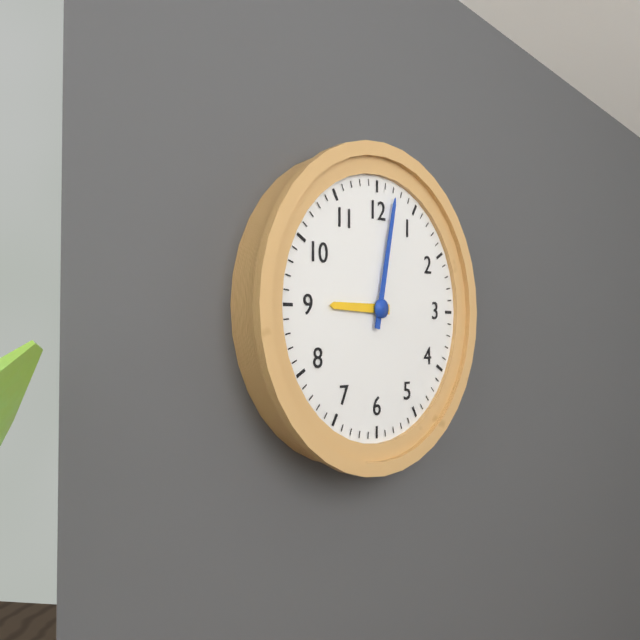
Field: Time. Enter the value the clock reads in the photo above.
9:02
